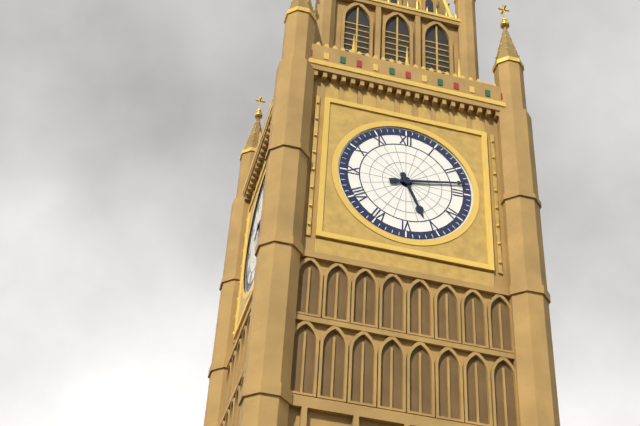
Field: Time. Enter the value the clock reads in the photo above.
5:13
